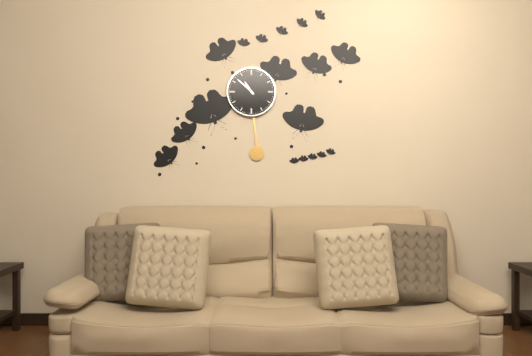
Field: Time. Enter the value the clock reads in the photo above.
10:52
